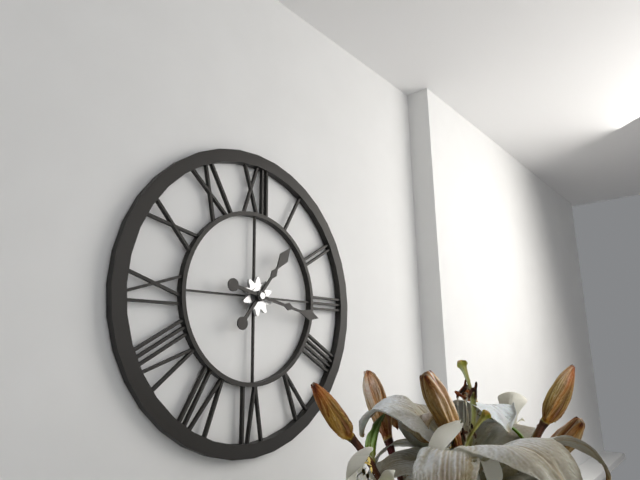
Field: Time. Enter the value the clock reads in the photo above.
1:17
